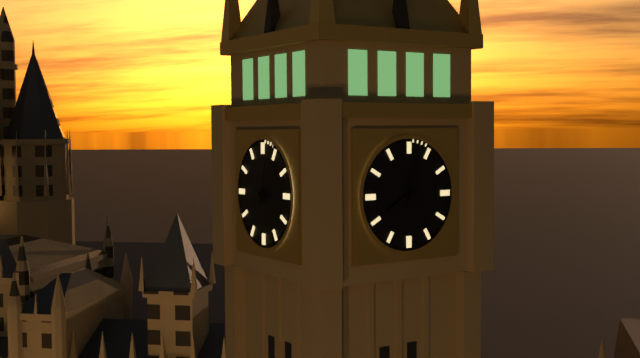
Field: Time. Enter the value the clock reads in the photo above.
8:03
